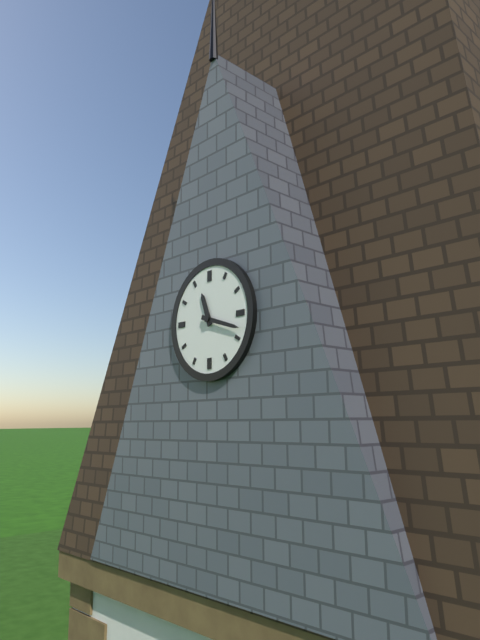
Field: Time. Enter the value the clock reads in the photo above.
11:18
